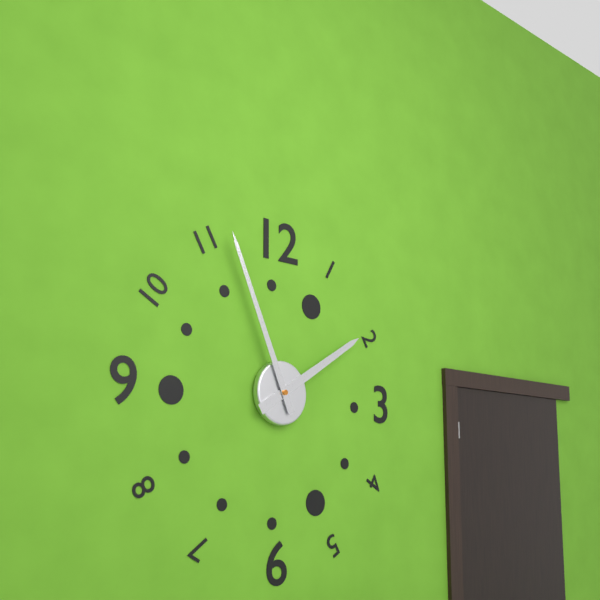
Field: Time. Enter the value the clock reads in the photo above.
1:56
